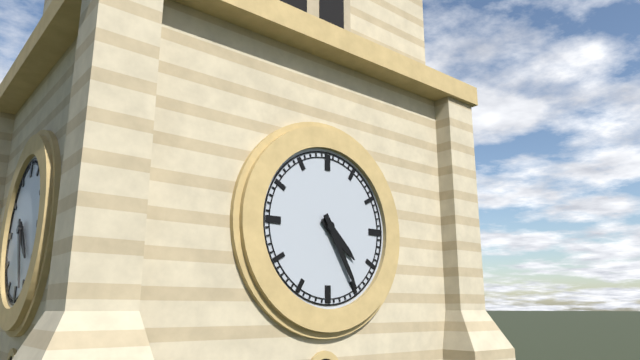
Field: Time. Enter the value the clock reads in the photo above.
4:25
